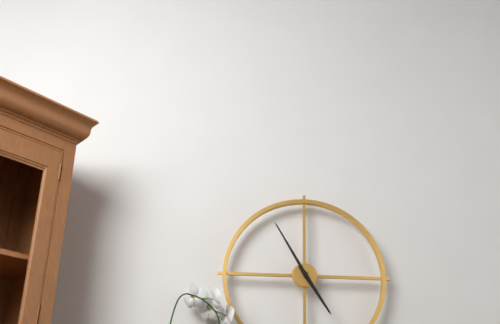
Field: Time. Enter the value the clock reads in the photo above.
4:55
